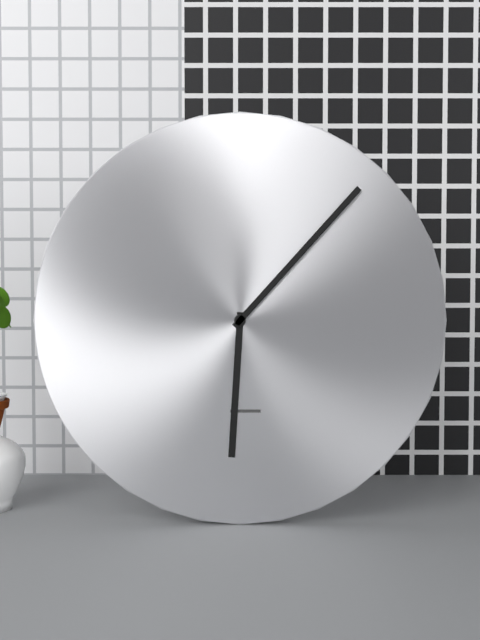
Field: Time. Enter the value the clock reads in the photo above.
6:07
